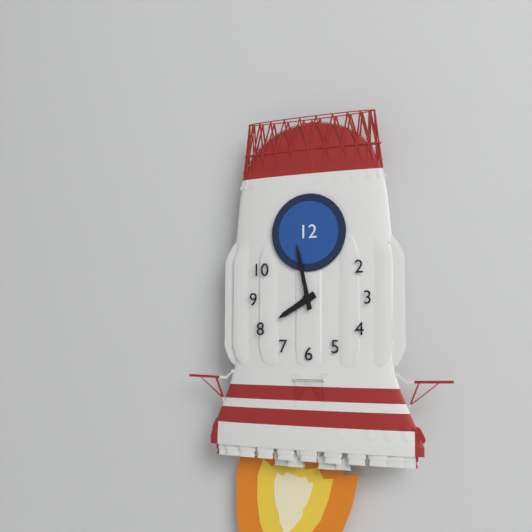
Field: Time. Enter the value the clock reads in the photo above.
7:58
